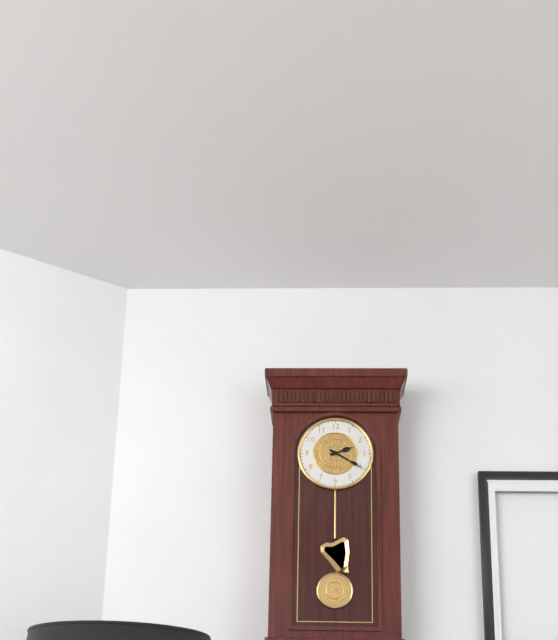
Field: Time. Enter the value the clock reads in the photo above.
2:20
